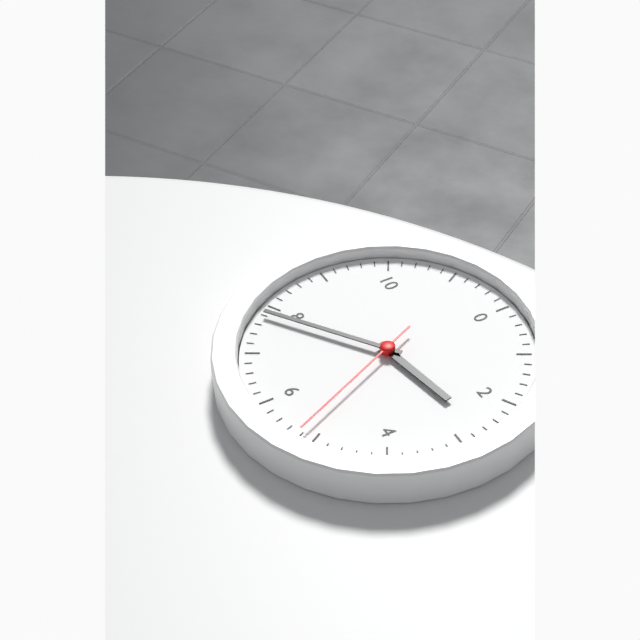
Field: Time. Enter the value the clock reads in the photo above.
2:39:26
